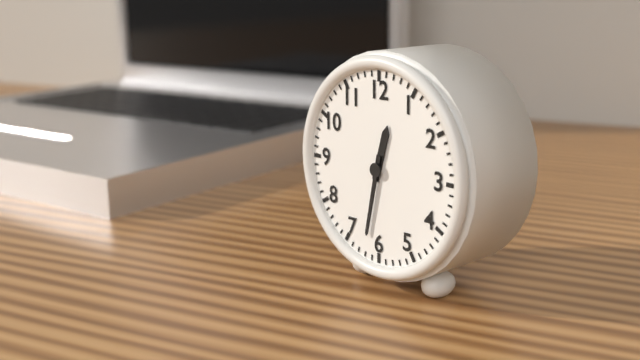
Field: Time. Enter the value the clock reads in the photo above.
12:32
